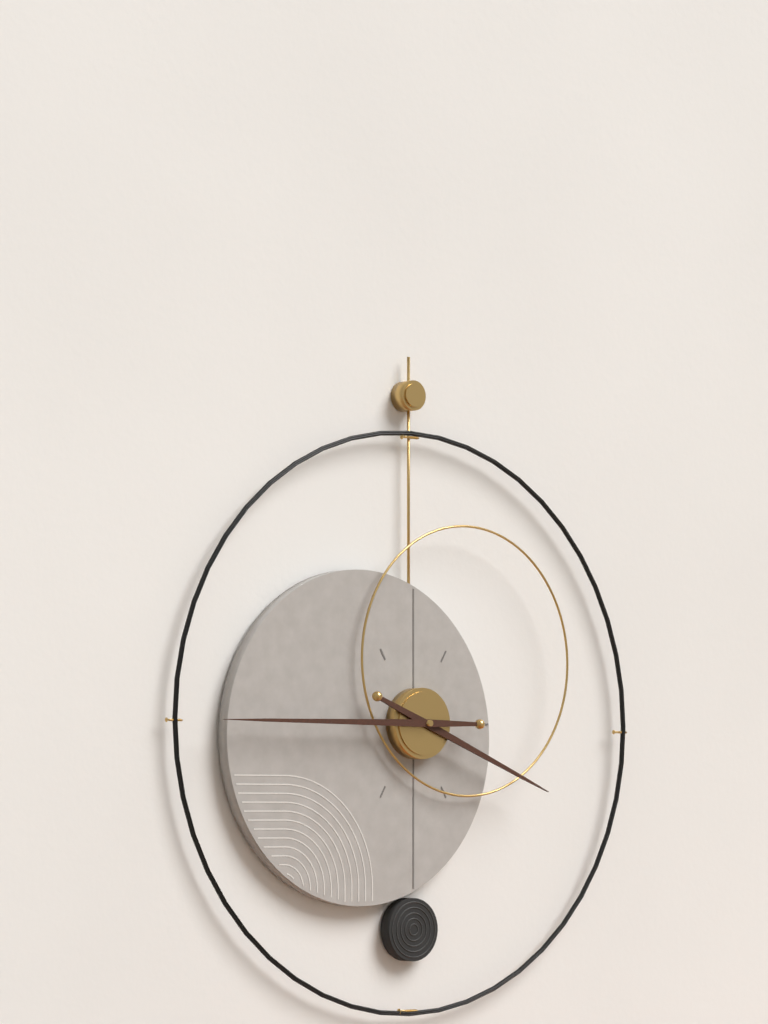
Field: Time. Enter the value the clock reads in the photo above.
3:45
